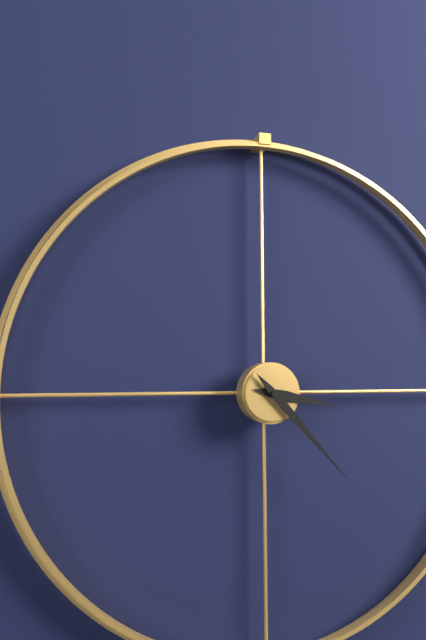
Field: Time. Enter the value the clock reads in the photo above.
3:23
